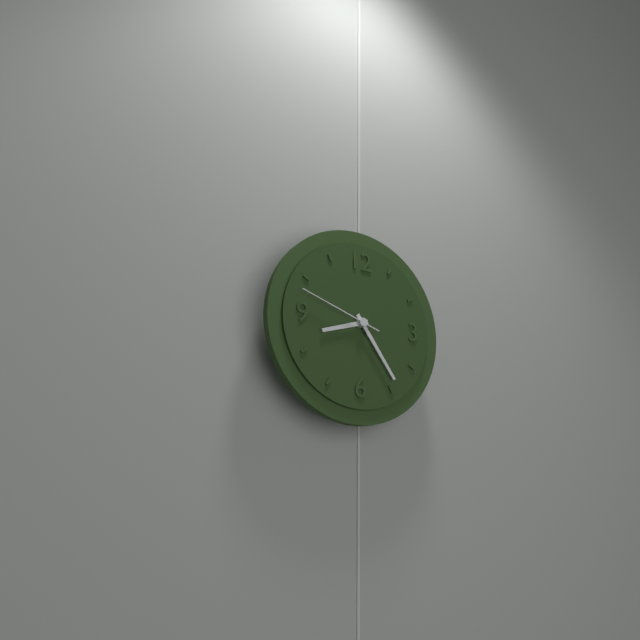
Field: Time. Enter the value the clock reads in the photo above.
8:24:48
